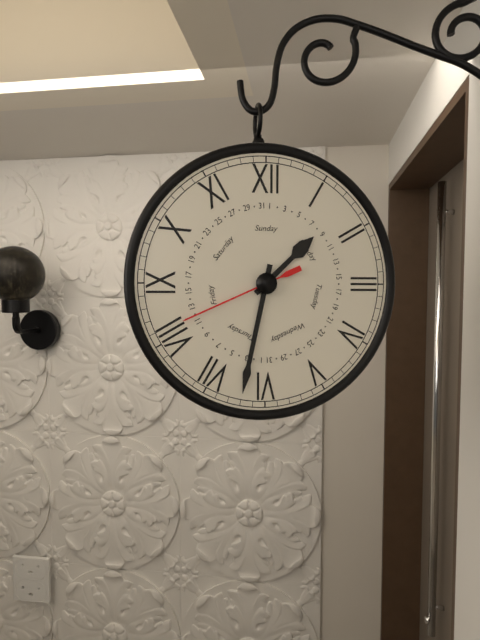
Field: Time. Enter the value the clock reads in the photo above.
1:32:41
